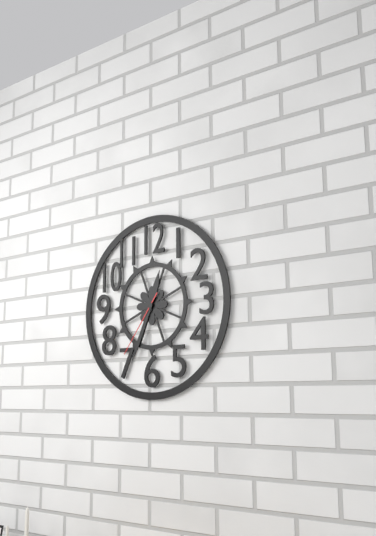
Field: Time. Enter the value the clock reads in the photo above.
12:34:36
